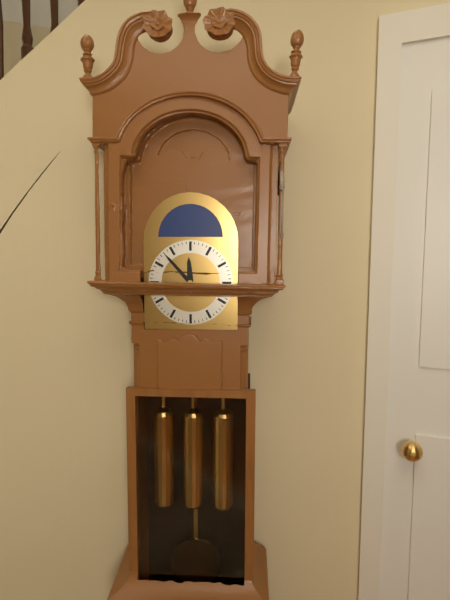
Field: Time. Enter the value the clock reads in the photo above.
11:53
